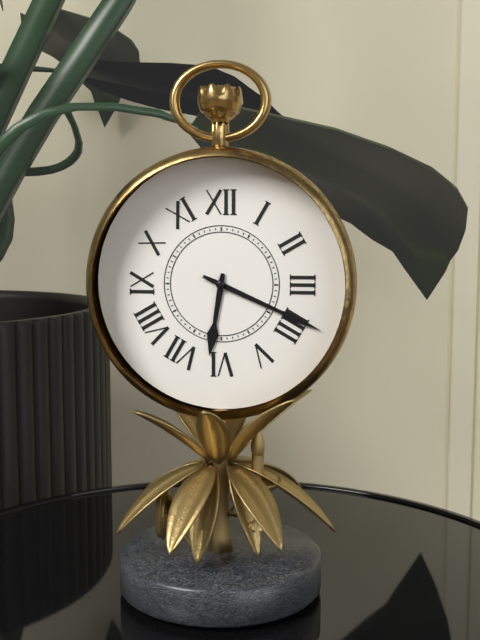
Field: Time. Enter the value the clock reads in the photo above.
6:19
